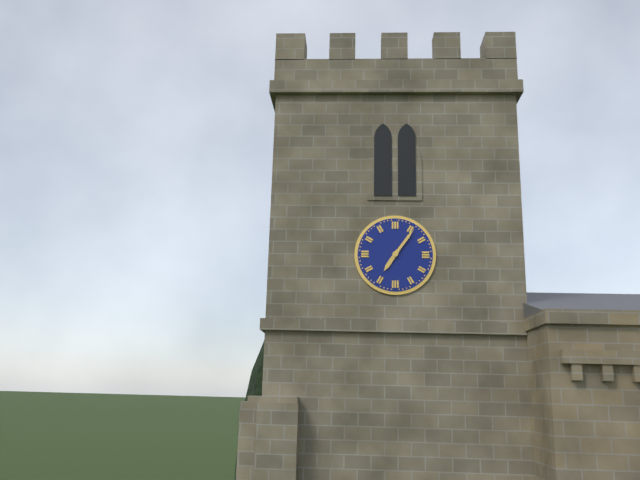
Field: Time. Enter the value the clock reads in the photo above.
7:06
